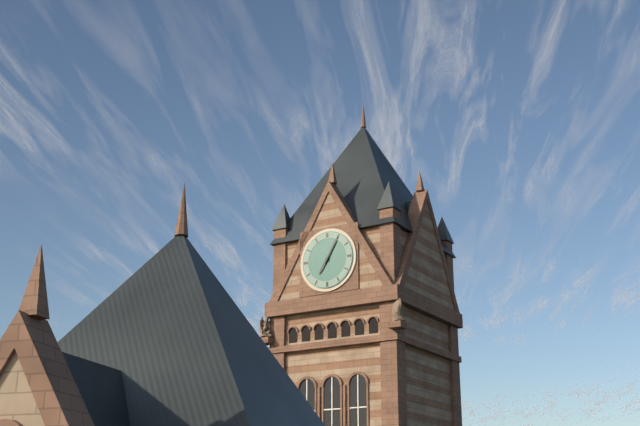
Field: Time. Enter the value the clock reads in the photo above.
7:05
